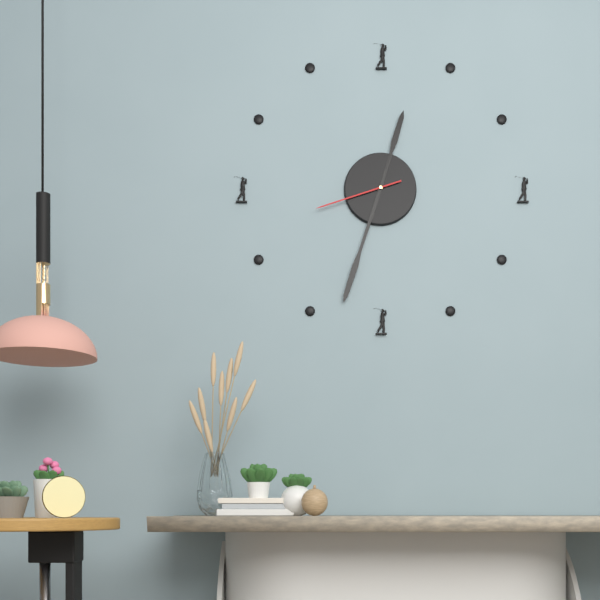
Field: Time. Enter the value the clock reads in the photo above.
12:33:42
